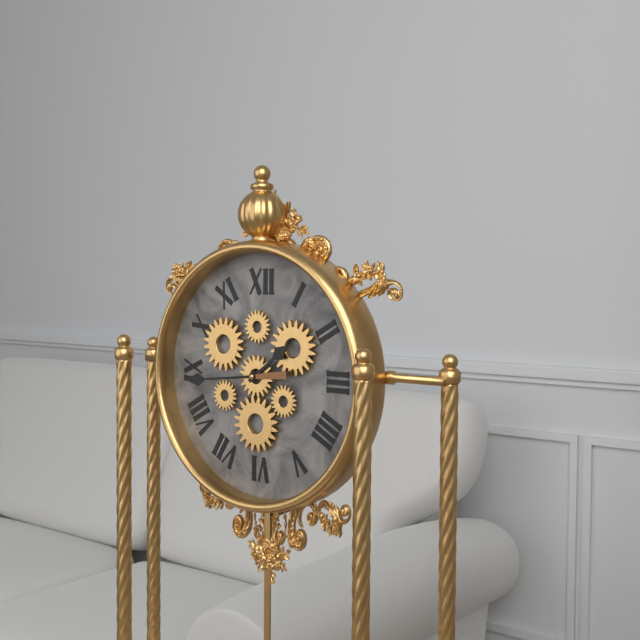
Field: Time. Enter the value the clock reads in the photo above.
1:44
